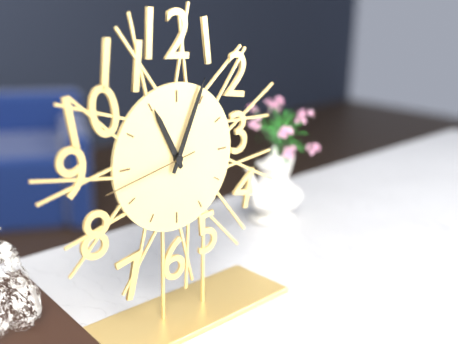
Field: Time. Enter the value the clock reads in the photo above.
11:04:43
